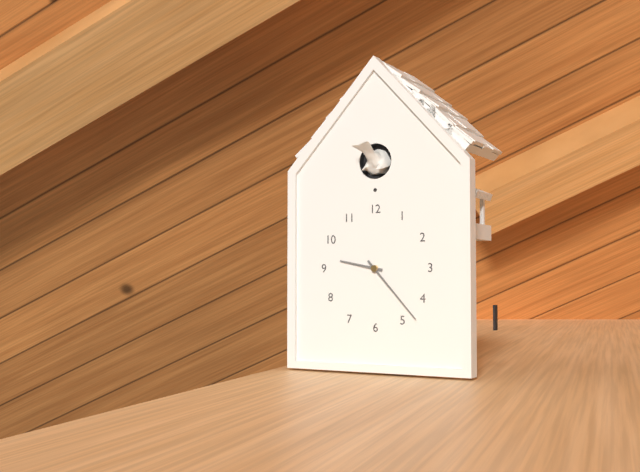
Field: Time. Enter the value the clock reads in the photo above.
9:23
